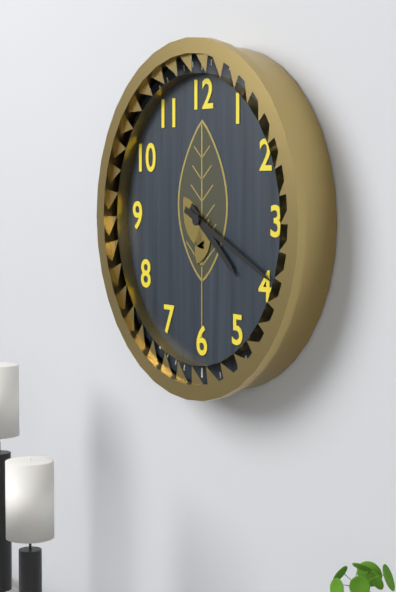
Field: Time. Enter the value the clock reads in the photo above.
4:19
